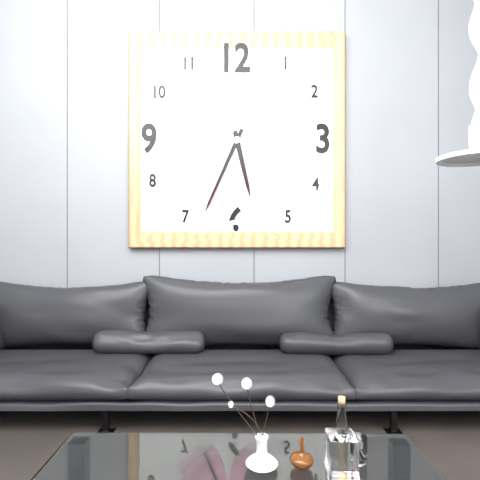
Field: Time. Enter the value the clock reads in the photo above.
5:34
